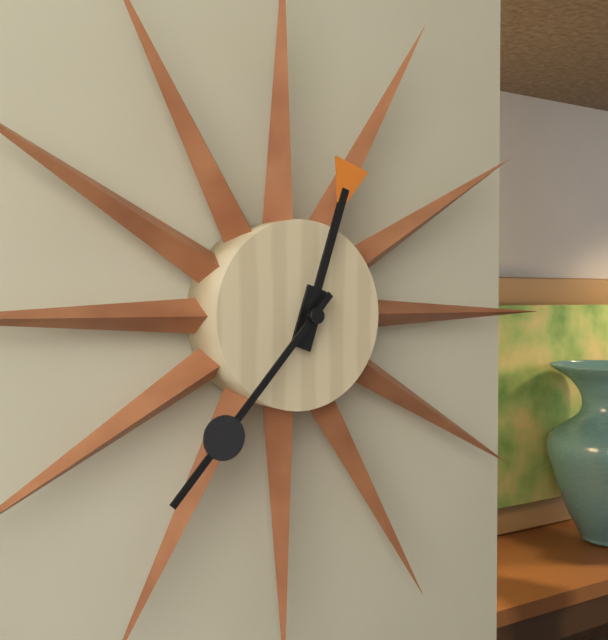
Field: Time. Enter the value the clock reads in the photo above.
12:37
